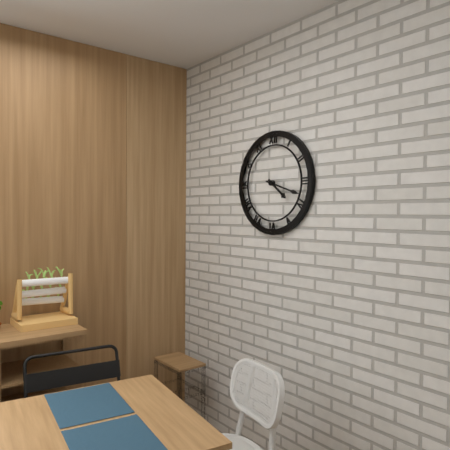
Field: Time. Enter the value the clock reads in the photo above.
4:18
